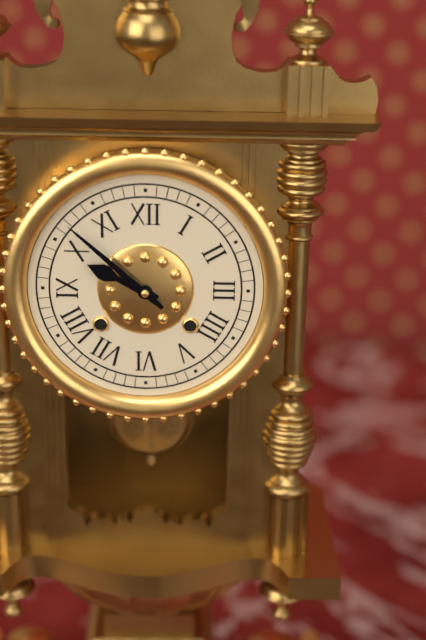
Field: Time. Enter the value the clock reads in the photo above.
9:52
